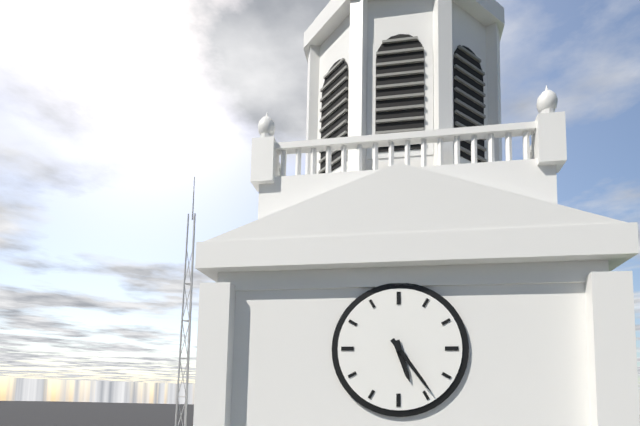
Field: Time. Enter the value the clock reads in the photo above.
5:24
